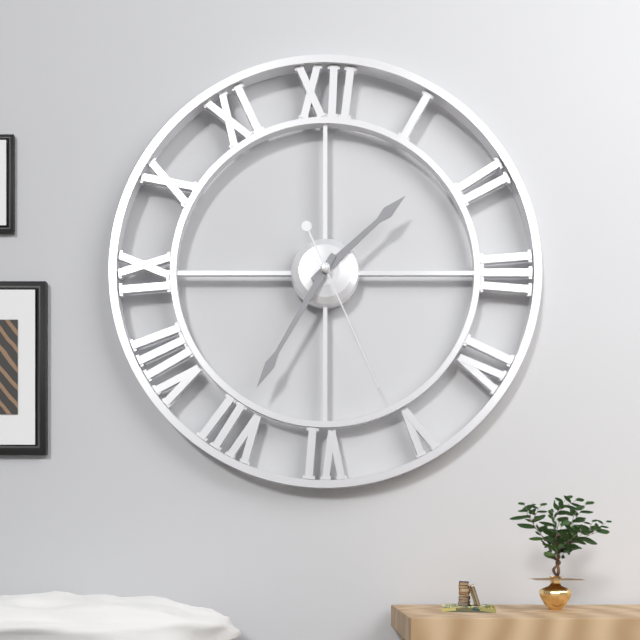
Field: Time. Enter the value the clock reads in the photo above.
1:35:26
